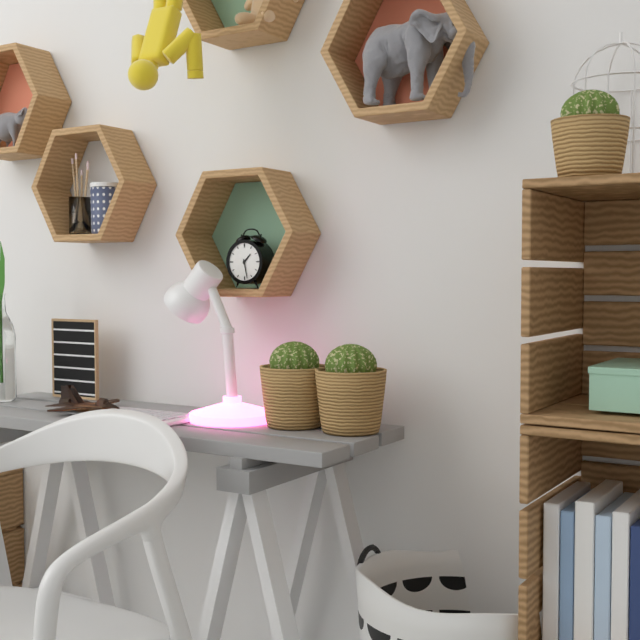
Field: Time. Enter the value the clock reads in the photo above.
1:28
